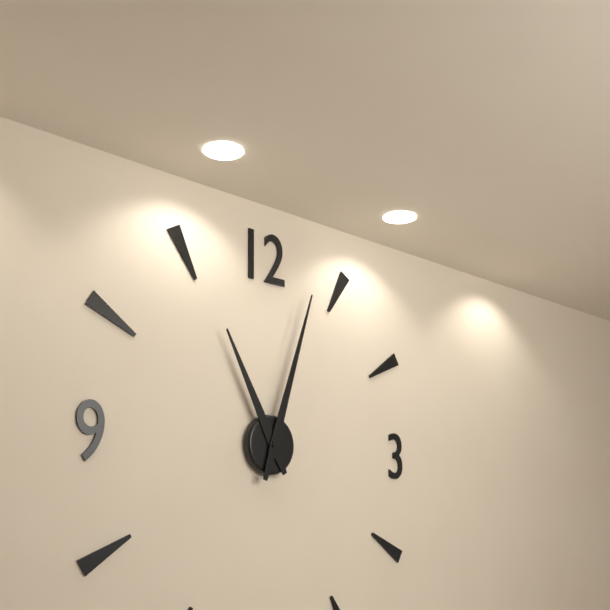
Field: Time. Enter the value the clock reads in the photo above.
11:03
